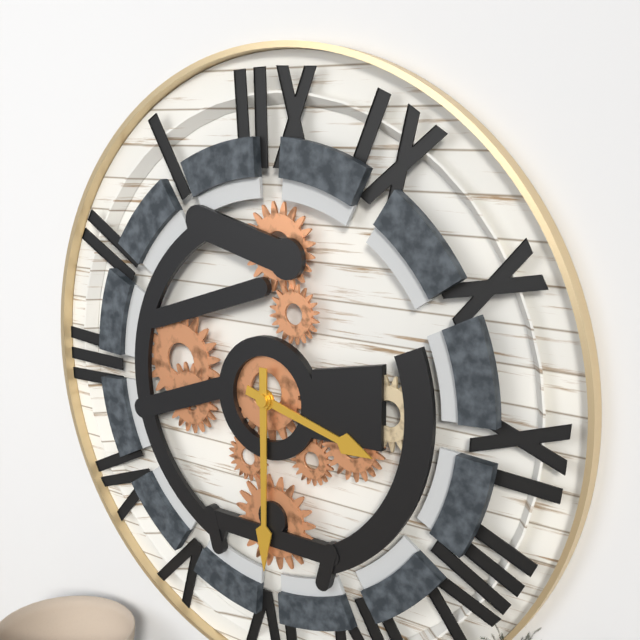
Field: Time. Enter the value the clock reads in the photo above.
3:30
